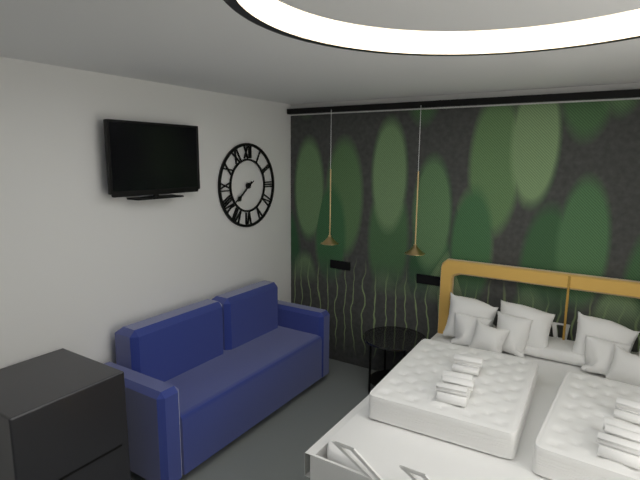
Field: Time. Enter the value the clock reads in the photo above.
7:39
